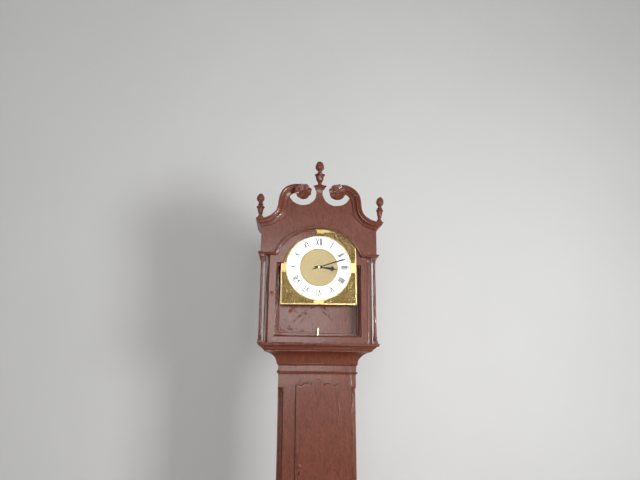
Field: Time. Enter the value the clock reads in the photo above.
3:12
